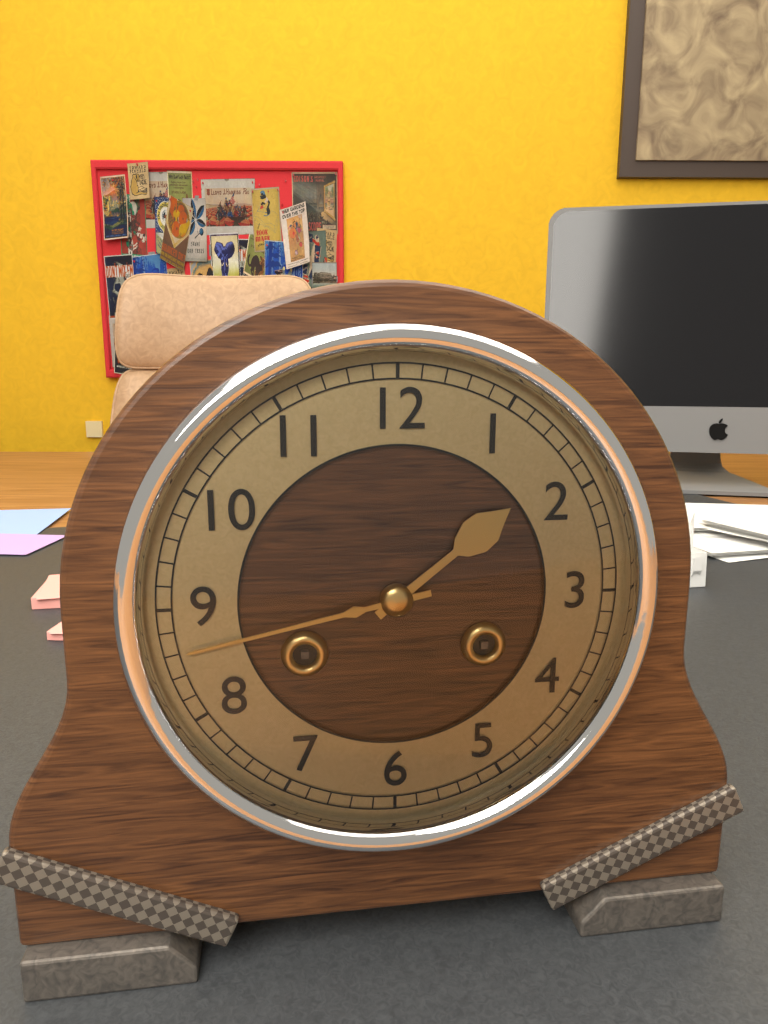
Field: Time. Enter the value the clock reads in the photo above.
1:43
